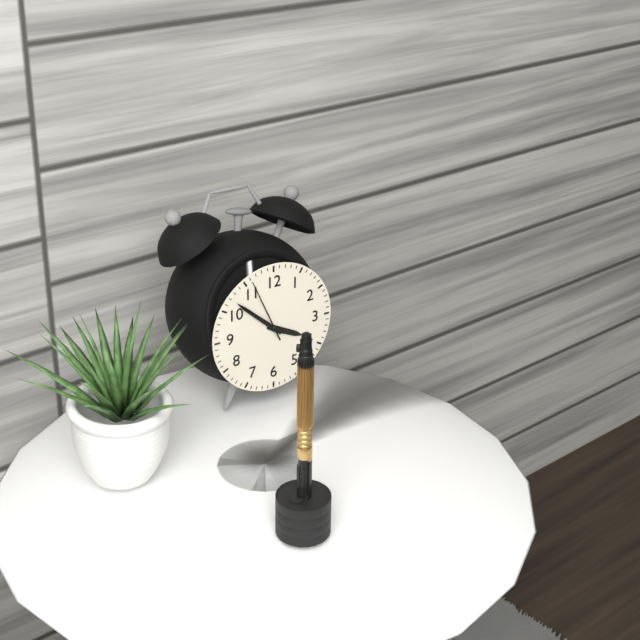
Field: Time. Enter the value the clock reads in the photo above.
3:52:56
